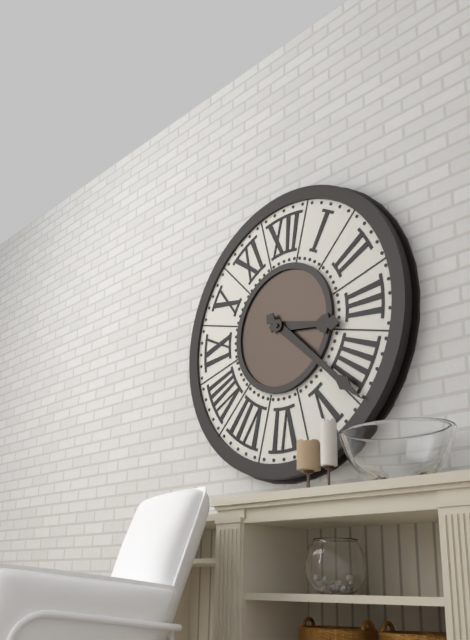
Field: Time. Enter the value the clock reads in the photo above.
3:22
